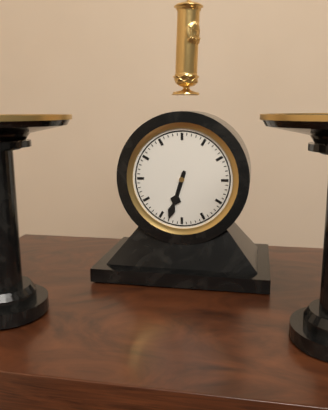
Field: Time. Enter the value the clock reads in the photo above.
6:33
